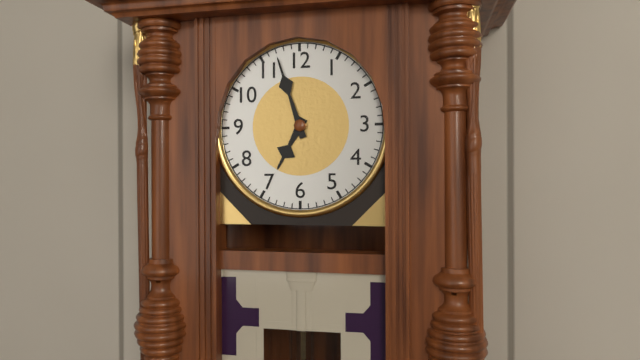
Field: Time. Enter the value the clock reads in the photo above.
6:57
